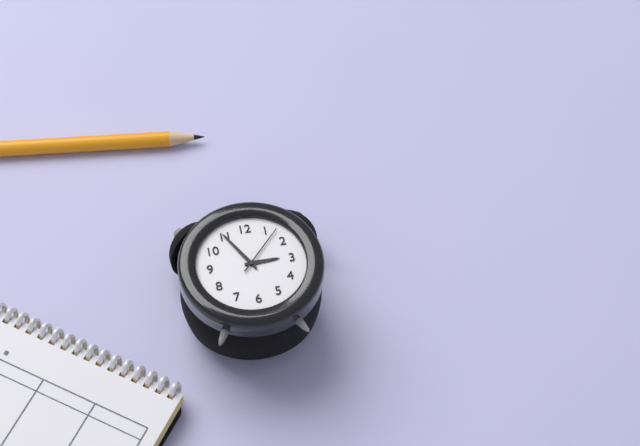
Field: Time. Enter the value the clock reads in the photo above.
2:55:07
